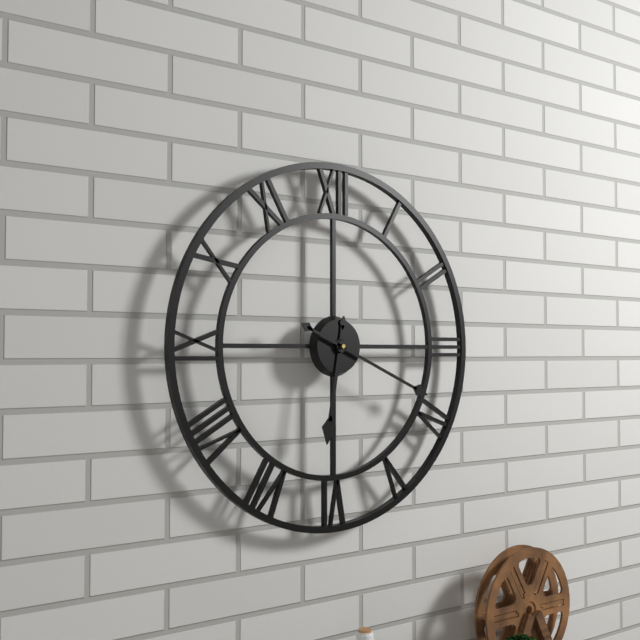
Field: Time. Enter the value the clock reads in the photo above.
6:19
